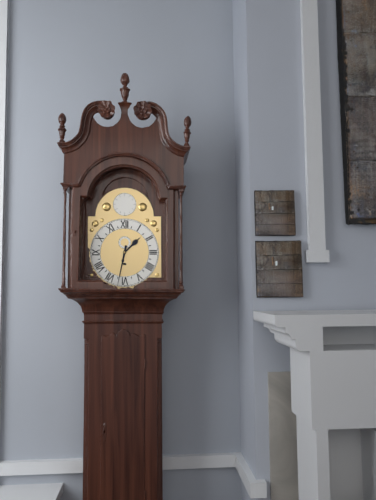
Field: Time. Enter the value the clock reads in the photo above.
1:32
